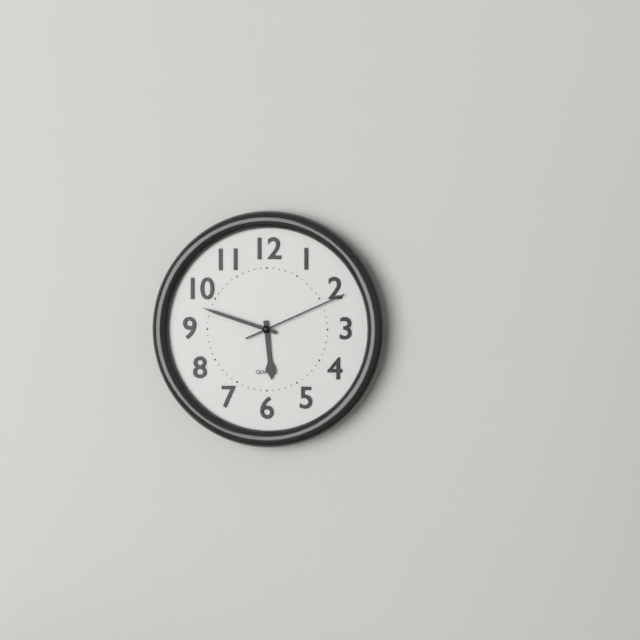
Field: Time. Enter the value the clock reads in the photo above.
5:48:11
